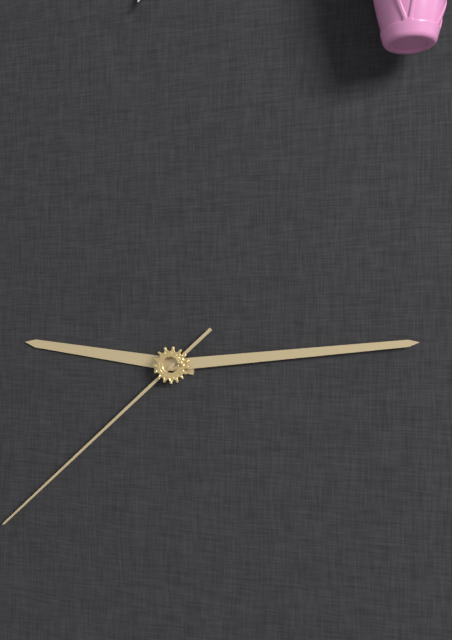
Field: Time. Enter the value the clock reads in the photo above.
9:14:38
